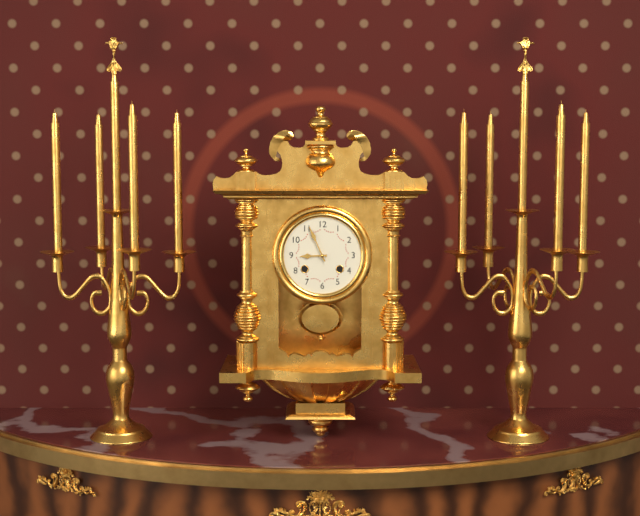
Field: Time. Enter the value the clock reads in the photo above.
8:56
